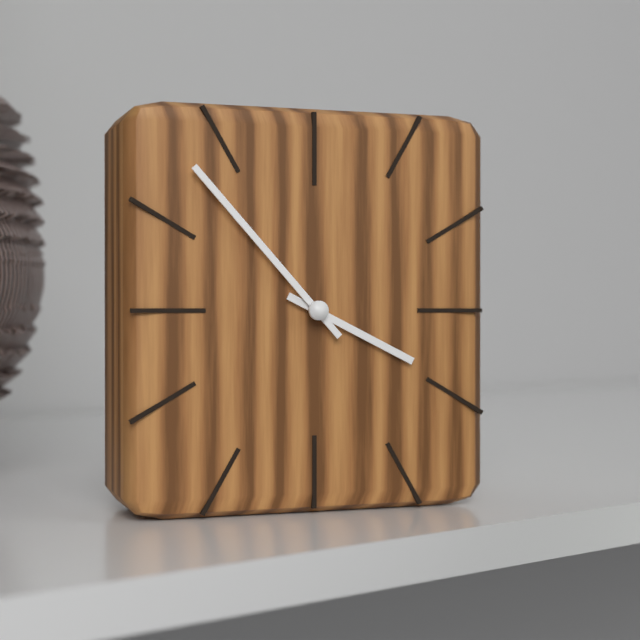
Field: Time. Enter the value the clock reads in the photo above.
3:53
